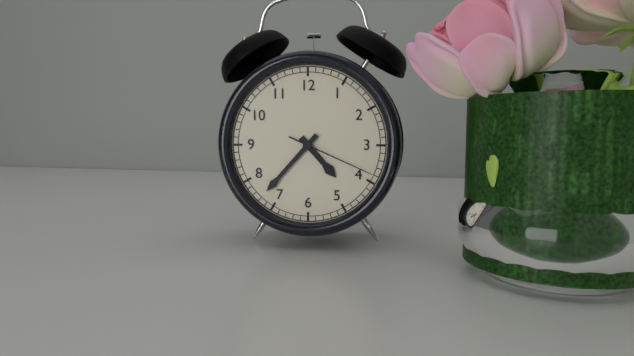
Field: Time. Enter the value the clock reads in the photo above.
4:37:19
